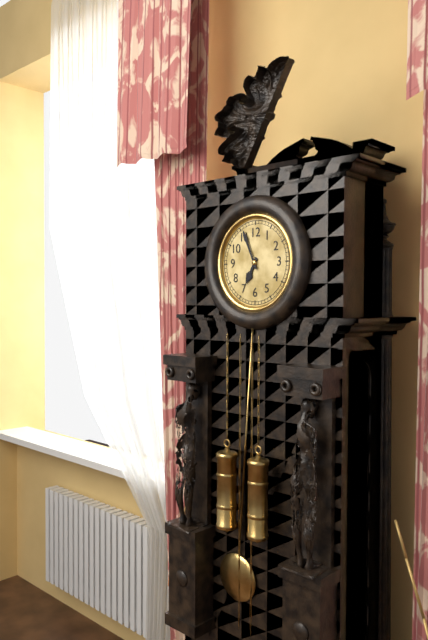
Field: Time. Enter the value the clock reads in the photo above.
6:56
